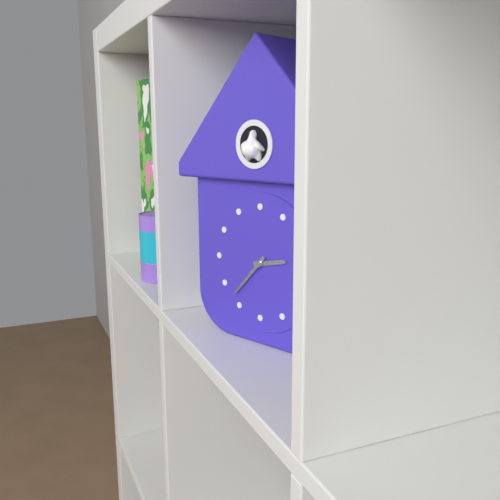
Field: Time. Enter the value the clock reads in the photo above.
2:37
